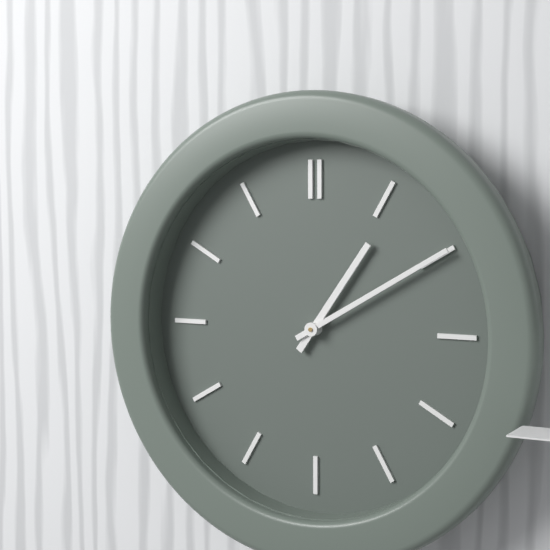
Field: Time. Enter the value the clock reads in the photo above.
1:10
